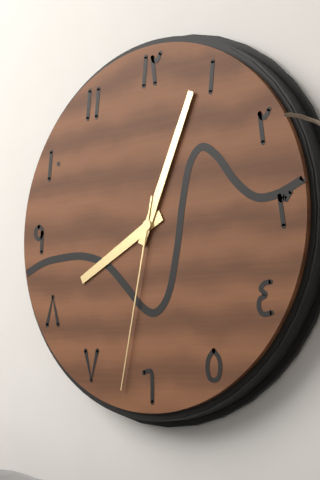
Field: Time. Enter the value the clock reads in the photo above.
8:04:32
